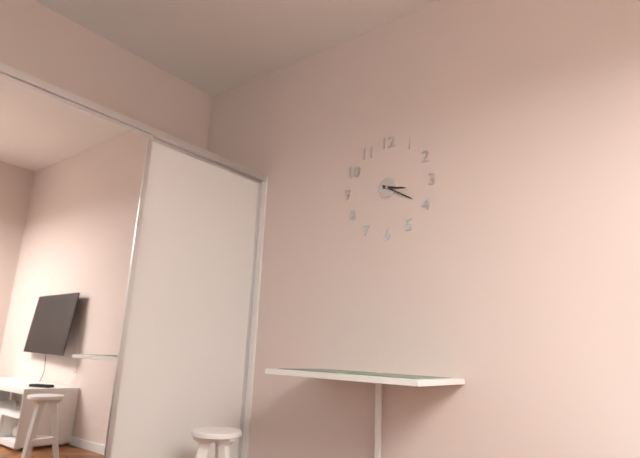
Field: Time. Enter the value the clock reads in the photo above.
3:20
